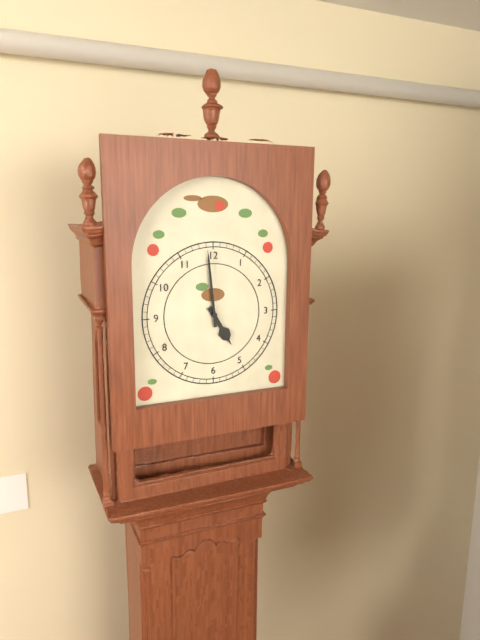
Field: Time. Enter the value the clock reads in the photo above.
4:59
